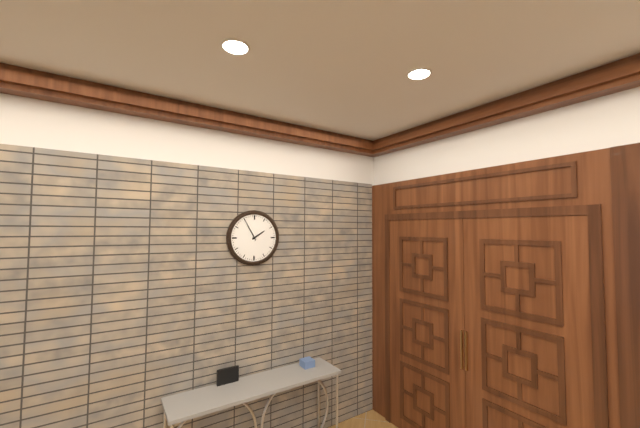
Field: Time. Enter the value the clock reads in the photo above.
1:55
